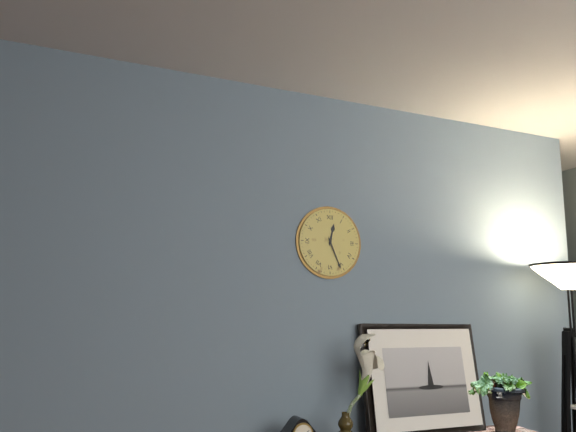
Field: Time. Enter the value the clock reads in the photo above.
12:26
